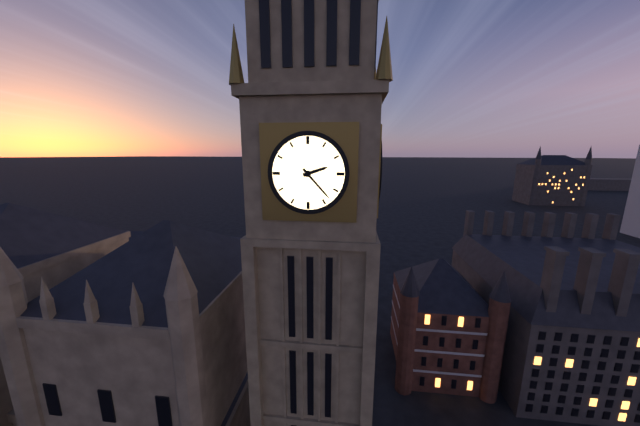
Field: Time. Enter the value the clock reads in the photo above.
2:23
